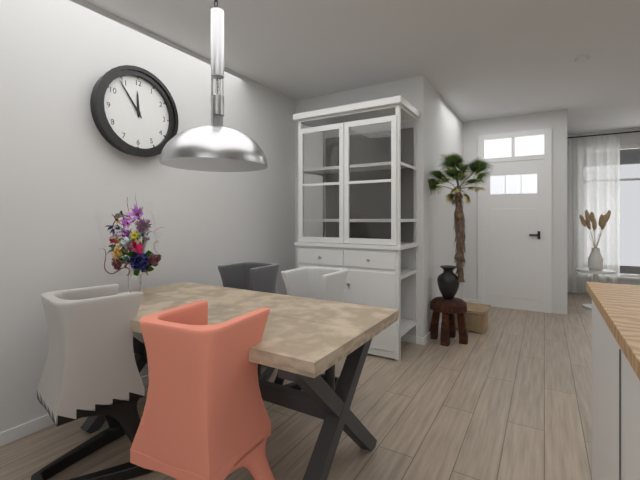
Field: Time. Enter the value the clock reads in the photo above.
11:54
